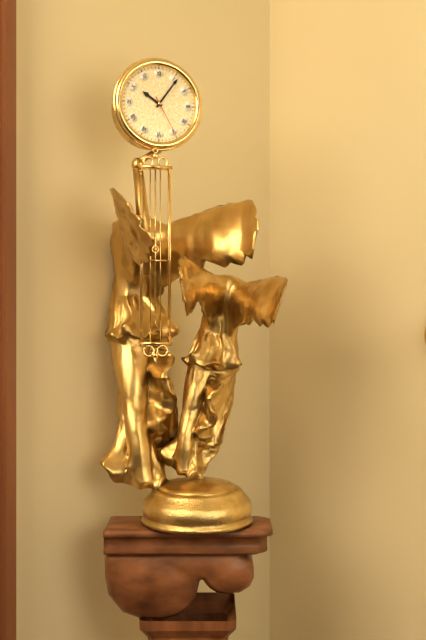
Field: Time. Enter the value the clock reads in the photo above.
10:06
